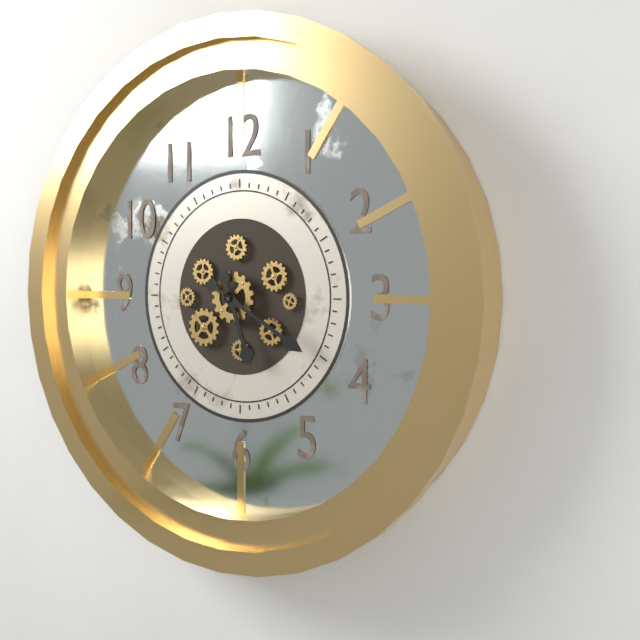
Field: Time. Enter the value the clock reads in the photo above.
5:20
